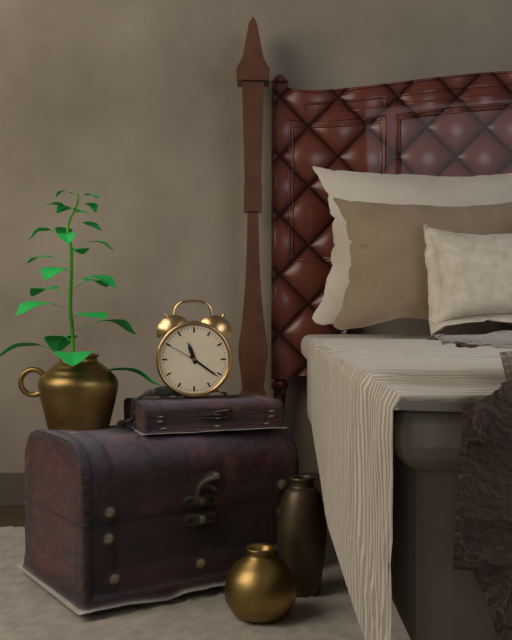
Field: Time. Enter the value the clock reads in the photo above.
11:21
